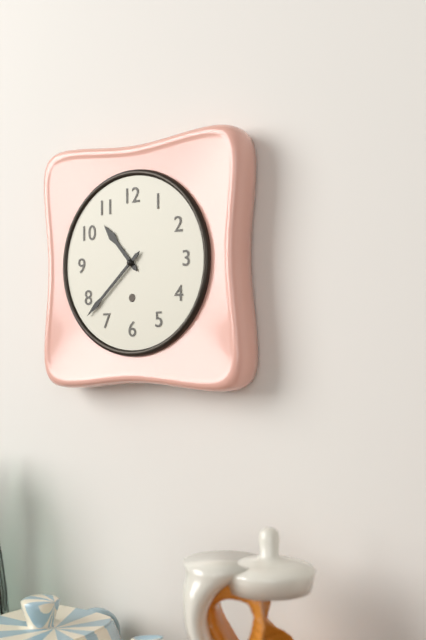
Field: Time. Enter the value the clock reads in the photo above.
10:38
